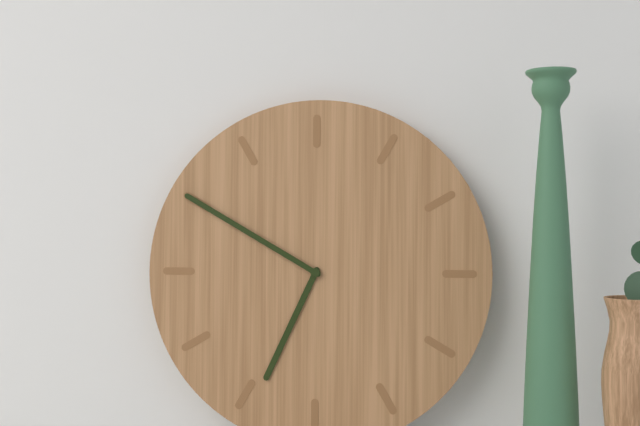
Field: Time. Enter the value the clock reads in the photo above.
6:50
